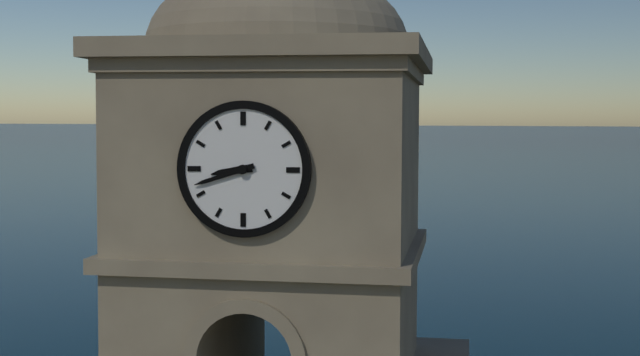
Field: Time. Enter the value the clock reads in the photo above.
8:42
